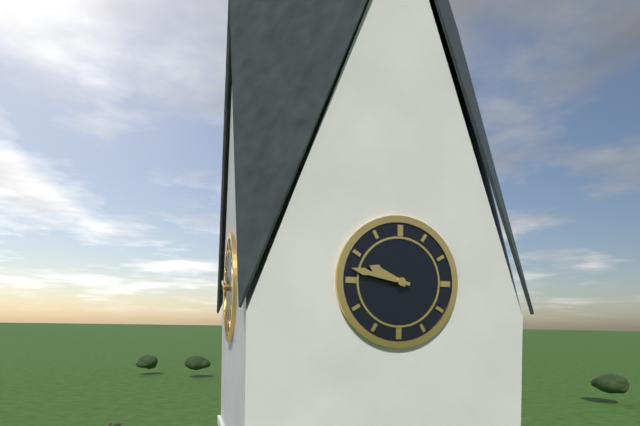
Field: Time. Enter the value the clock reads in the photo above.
9:47
